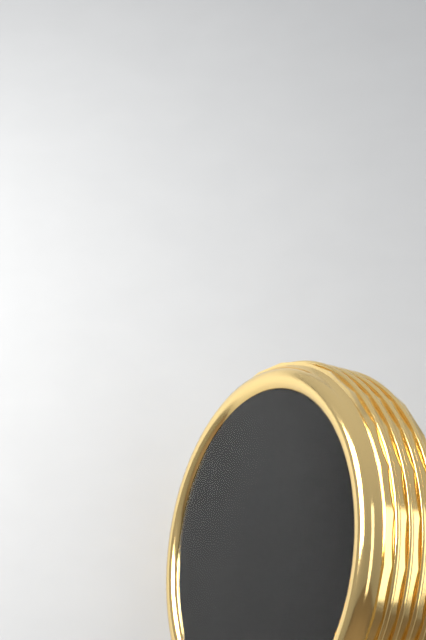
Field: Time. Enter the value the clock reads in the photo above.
2:59:20
